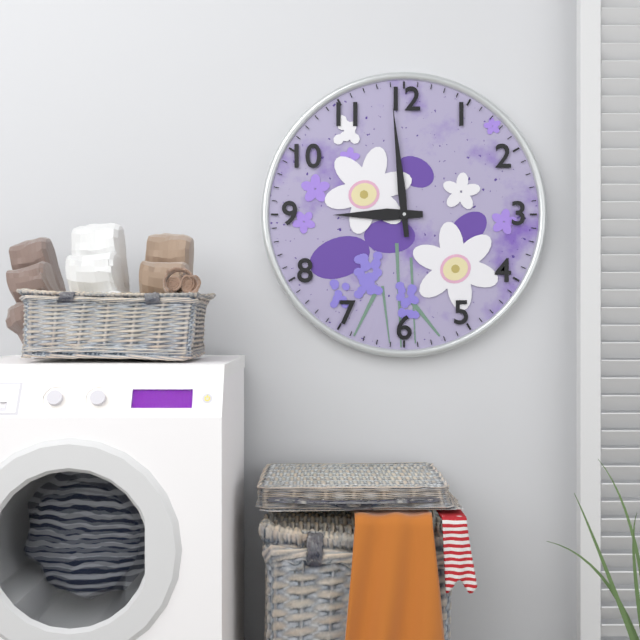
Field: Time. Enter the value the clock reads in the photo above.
8:59
